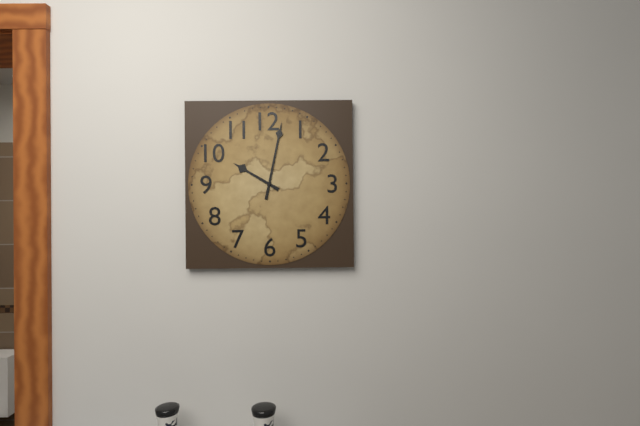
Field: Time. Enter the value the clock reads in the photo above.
10:02
